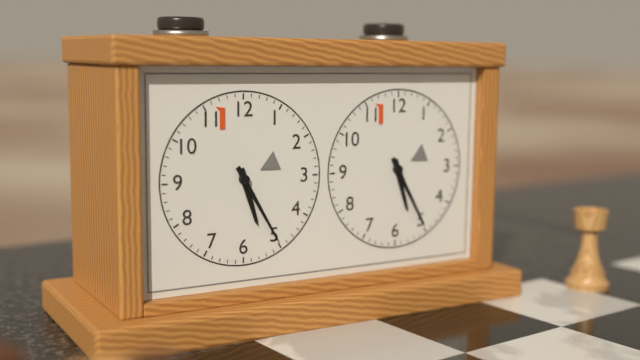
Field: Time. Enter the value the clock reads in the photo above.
5:25
